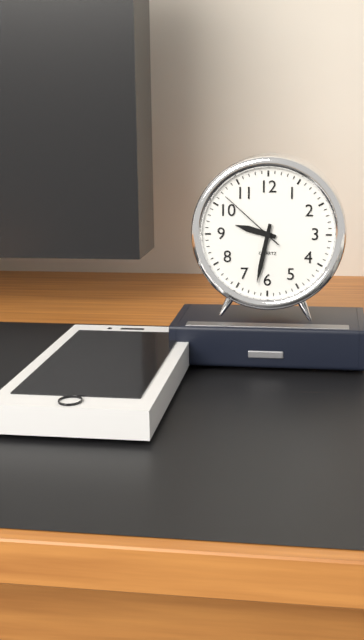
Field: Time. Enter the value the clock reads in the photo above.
9:32:52
